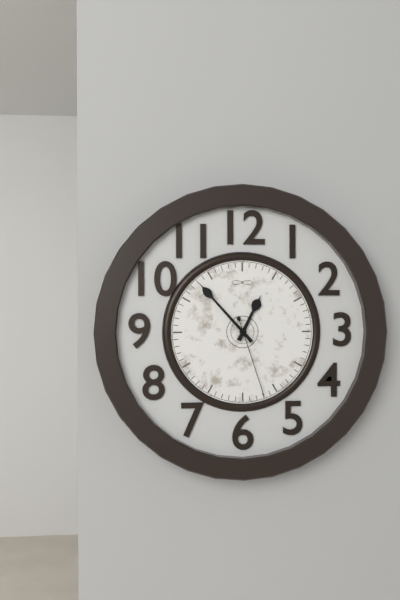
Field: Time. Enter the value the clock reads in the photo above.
12:53:27
